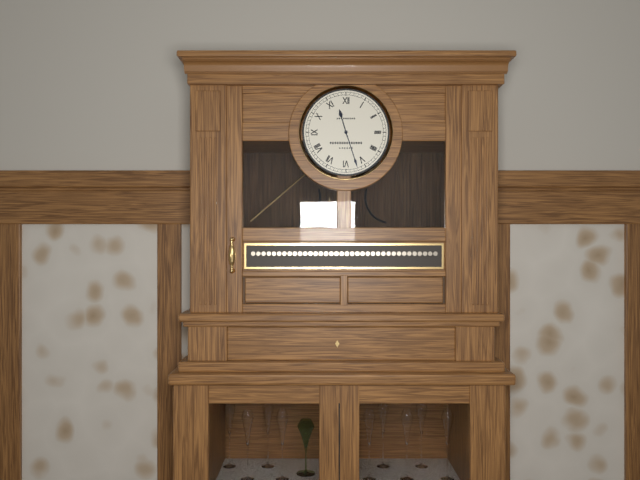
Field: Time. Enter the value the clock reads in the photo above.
11:27
